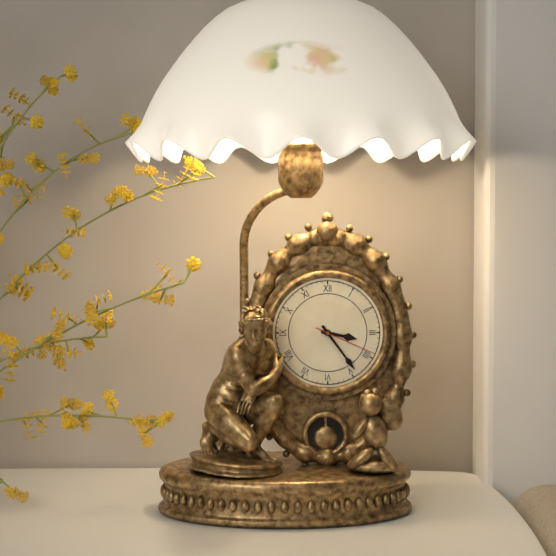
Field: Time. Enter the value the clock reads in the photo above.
3:24:19
